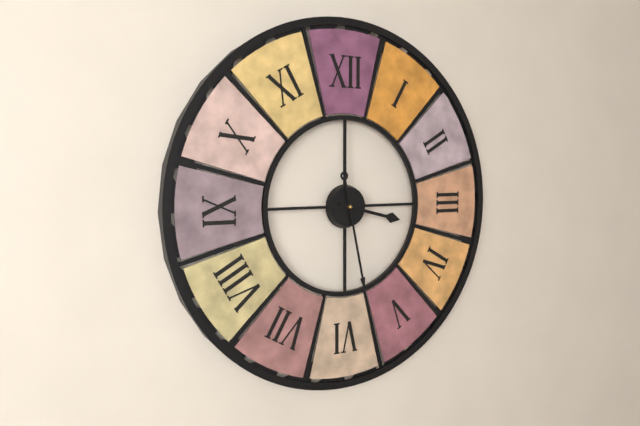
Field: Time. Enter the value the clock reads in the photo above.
3:28
